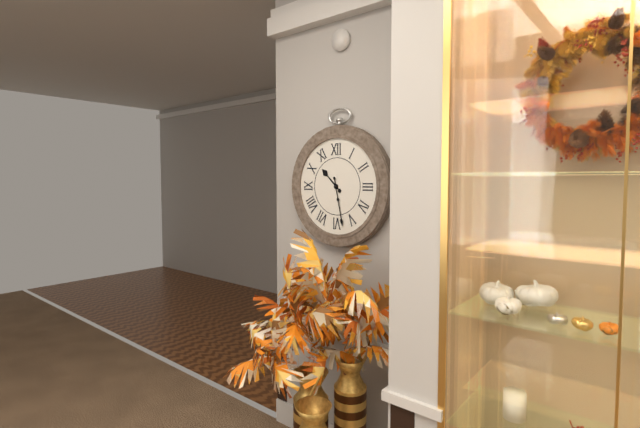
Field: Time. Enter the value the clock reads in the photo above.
10:28
